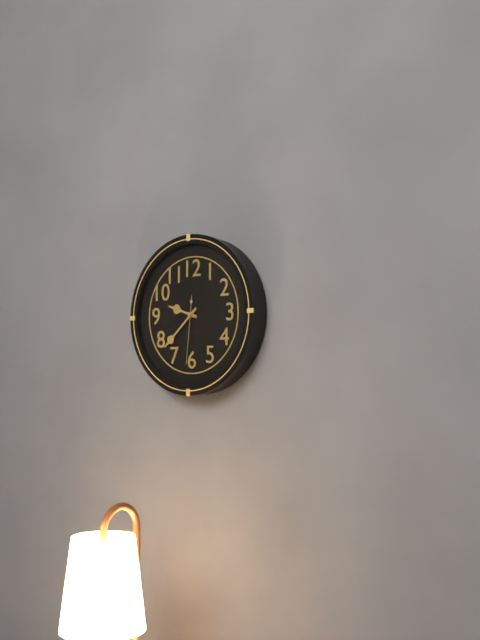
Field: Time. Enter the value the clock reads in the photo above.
9:38:31
